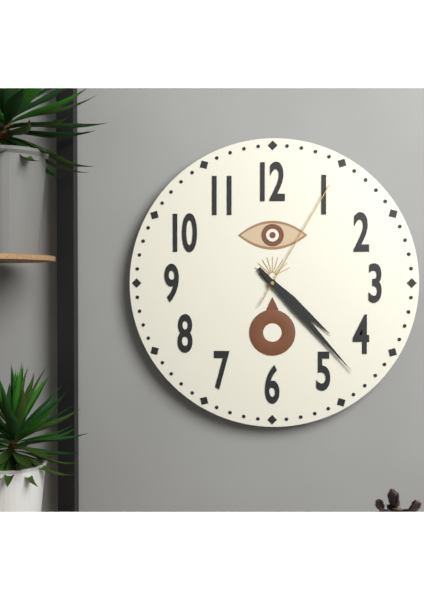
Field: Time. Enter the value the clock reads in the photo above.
4:23:05
